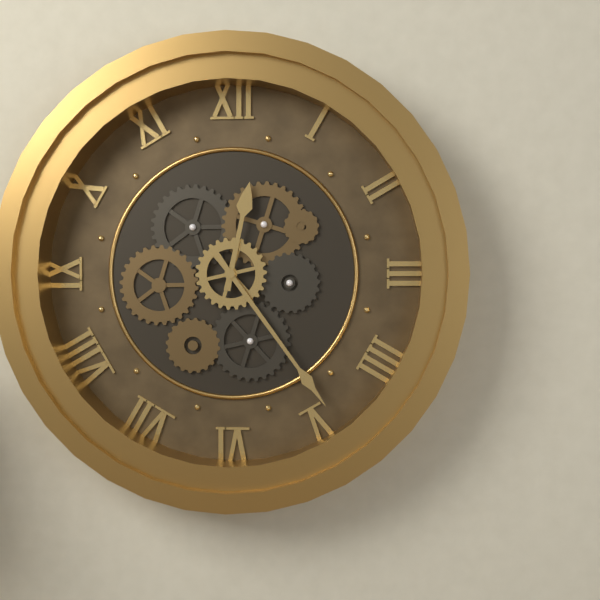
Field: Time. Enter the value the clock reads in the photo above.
12:24
